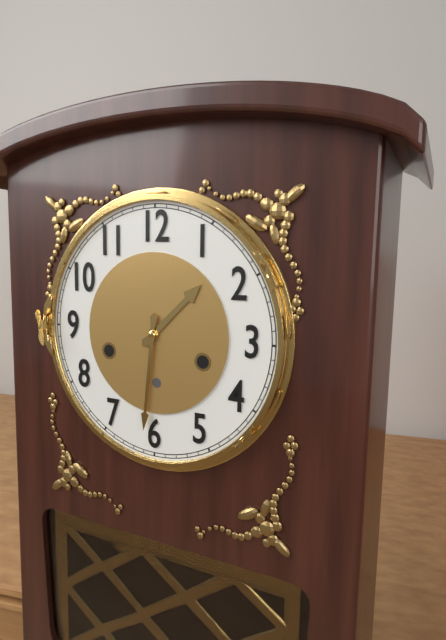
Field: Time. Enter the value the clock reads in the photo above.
1:31
